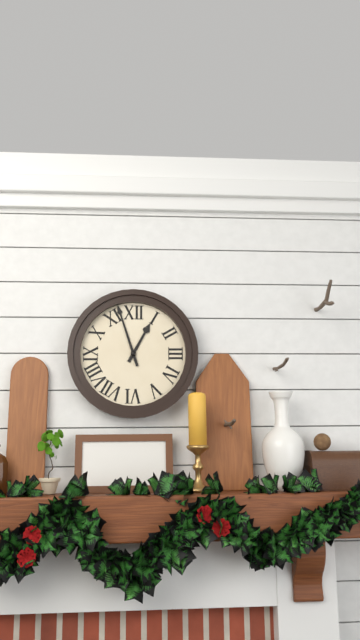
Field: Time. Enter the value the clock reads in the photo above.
12:57
